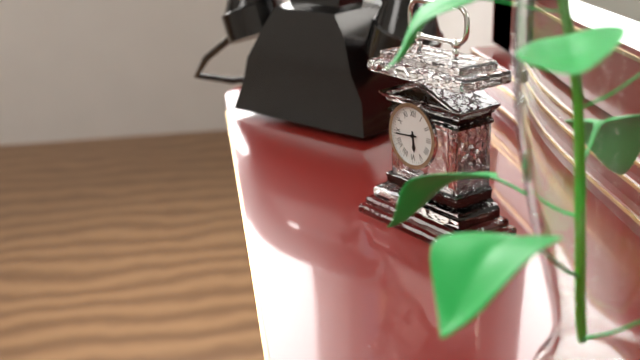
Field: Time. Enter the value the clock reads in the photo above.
5:44
